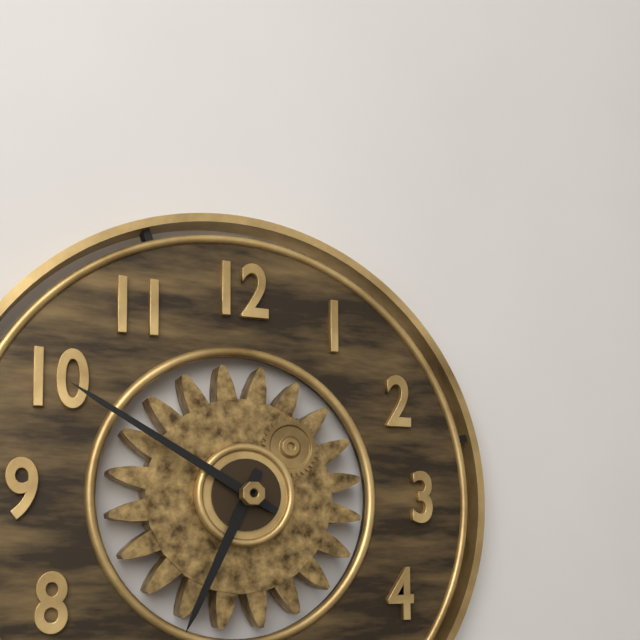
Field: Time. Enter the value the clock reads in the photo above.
6:50
